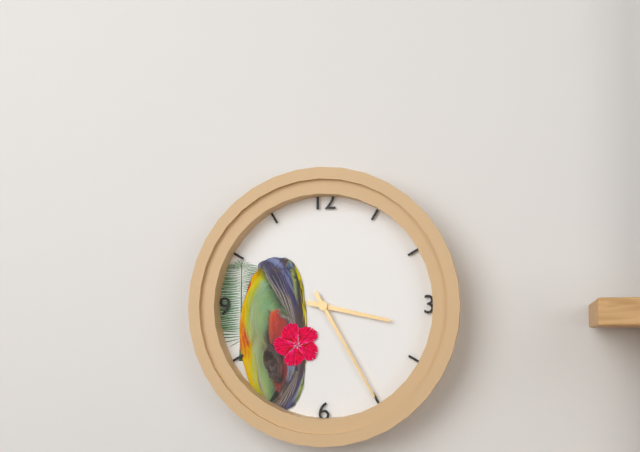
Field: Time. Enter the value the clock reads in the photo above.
3:25
